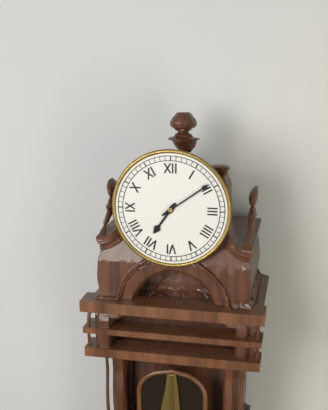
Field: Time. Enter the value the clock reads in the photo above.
7:09
